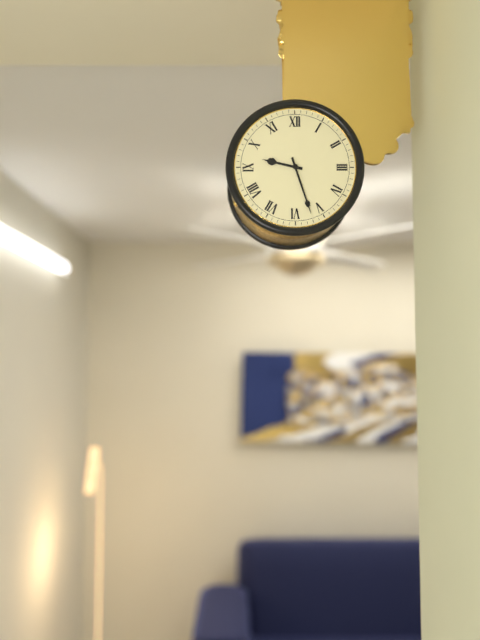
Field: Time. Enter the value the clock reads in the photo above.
9:27
